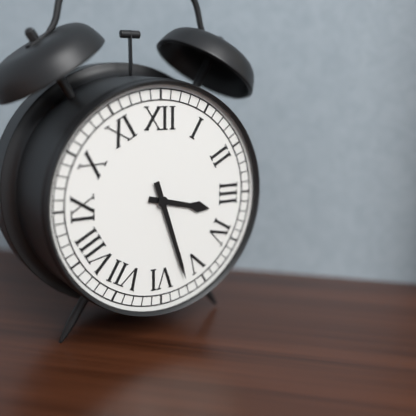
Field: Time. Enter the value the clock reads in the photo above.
3:27
